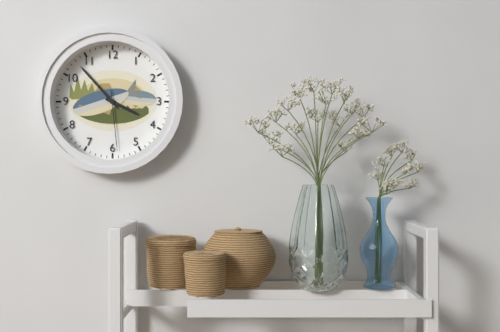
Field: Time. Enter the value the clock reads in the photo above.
3:53:29
